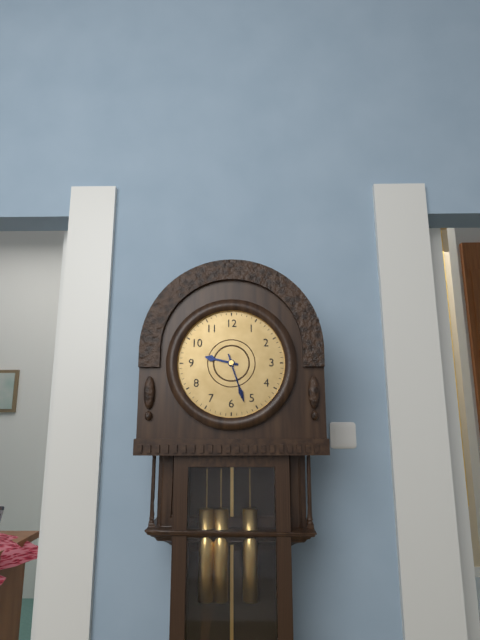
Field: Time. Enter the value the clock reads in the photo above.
9:27
